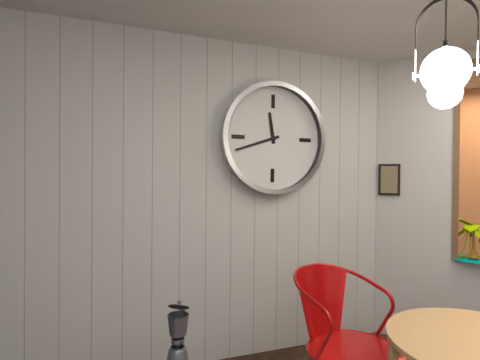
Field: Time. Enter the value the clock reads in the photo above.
11:42
